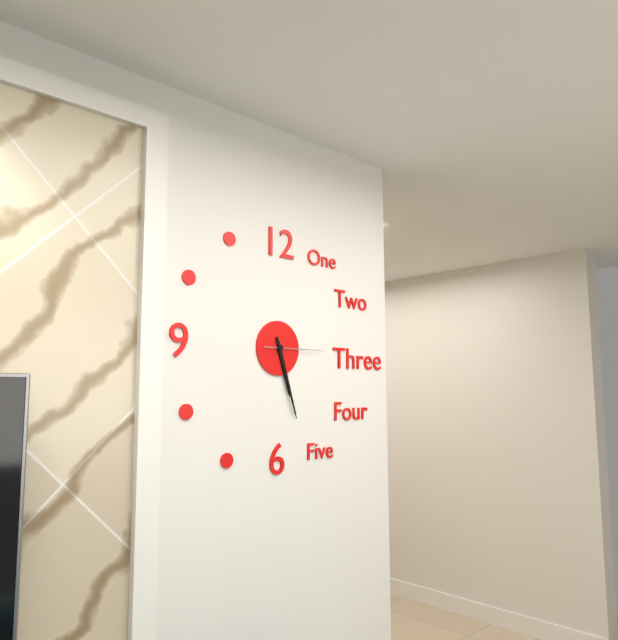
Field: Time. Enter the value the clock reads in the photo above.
5:27:15
